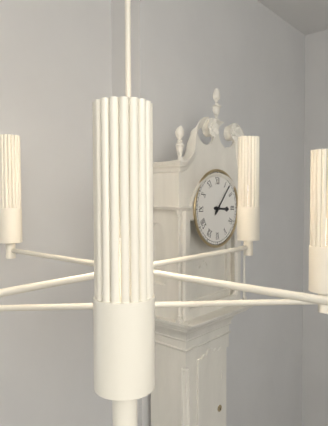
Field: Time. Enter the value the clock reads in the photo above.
3:07
